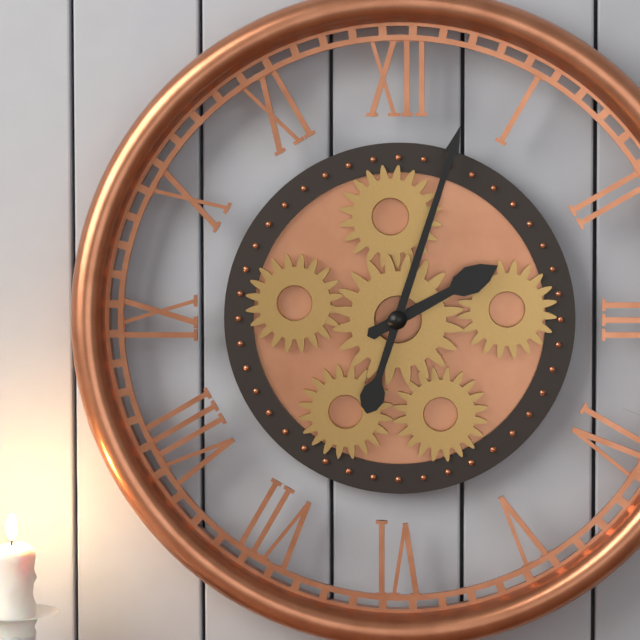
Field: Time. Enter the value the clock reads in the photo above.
2:03
